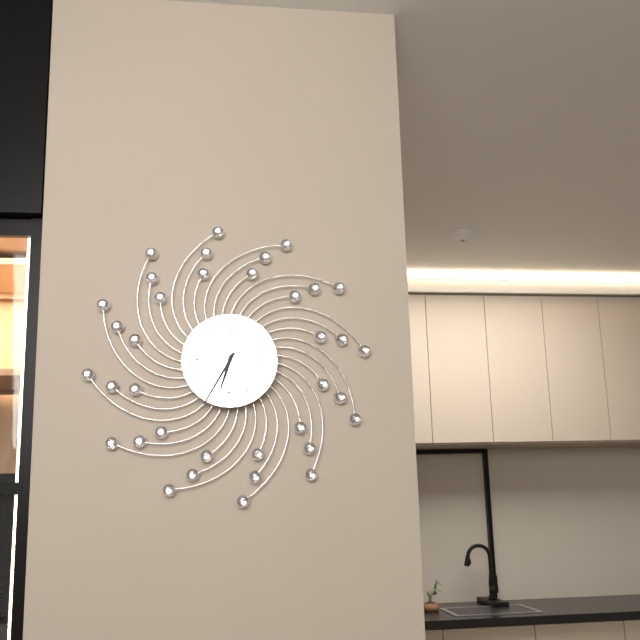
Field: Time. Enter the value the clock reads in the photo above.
6:35
